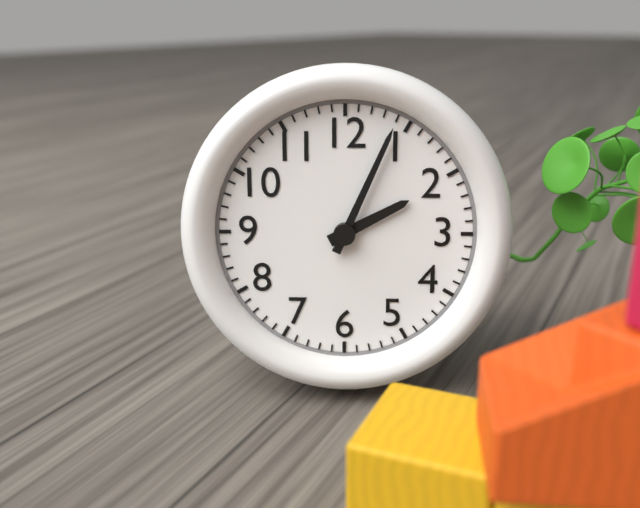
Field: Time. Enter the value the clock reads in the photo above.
2:04
